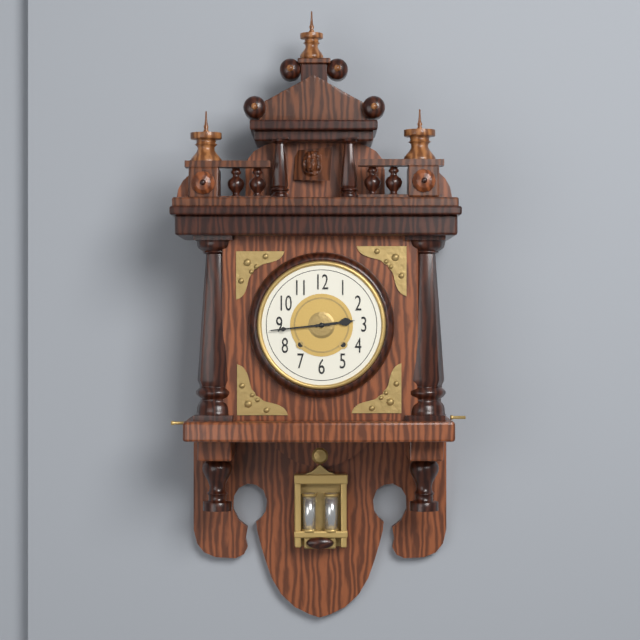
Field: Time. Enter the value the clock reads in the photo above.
2:44
